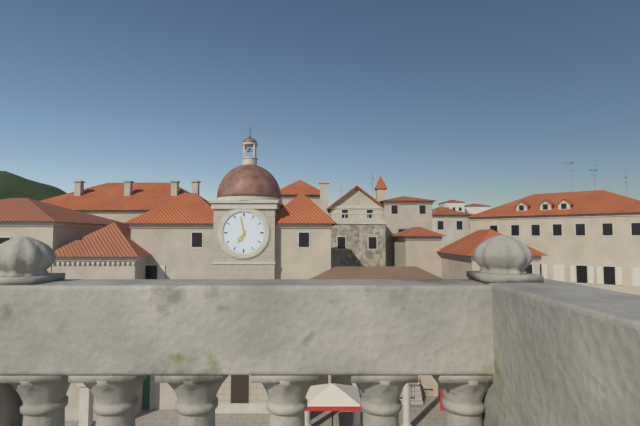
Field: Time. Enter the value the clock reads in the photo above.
6:58
